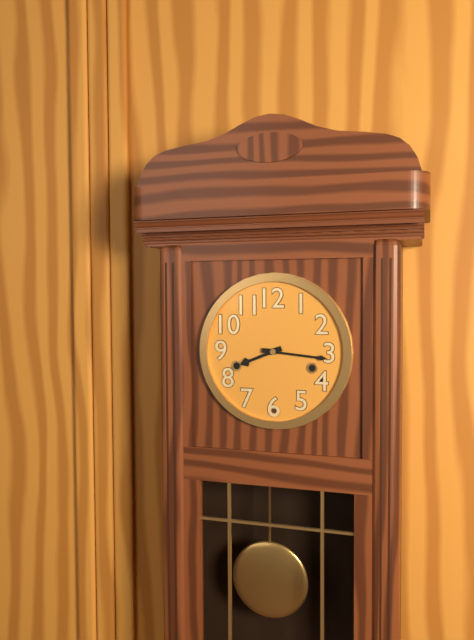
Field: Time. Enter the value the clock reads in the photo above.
8:16
